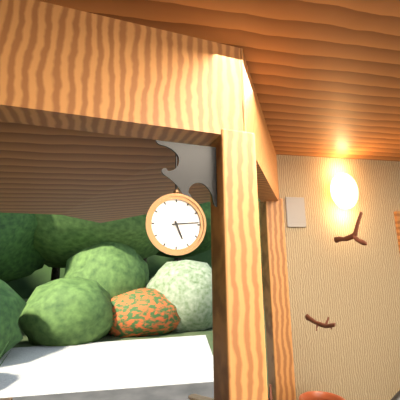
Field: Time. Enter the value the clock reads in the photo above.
5:14
